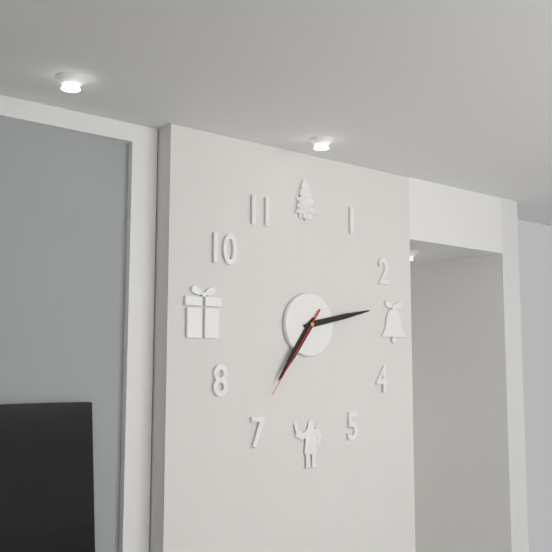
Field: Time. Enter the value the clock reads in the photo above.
7:13:36
